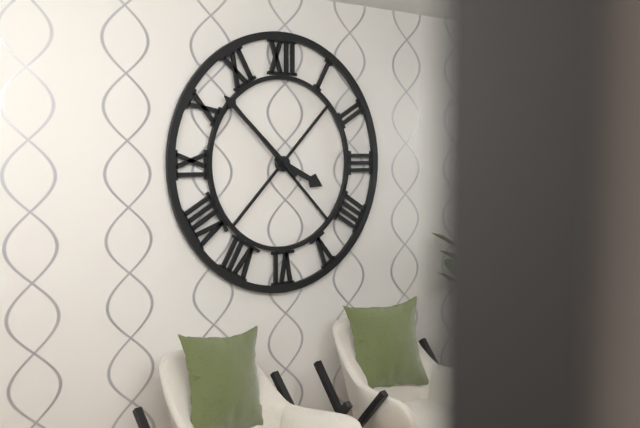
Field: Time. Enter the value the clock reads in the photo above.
3:52
